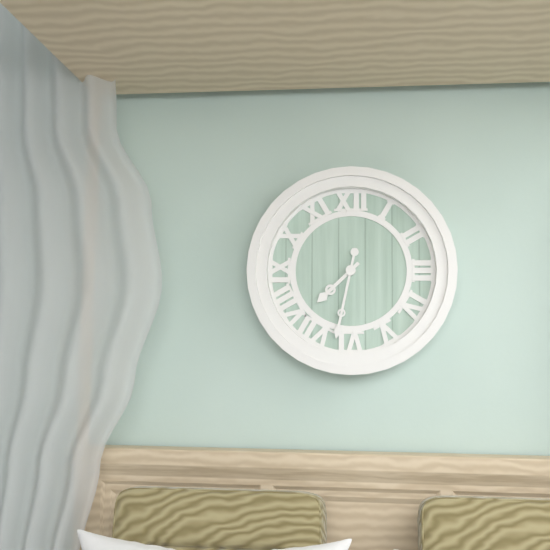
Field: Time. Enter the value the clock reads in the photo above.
7:32
